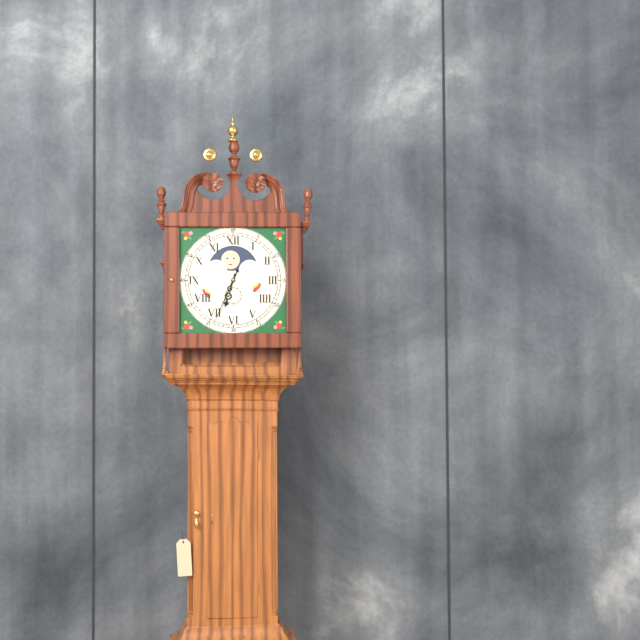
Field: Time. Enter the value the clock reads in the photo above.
6:34
